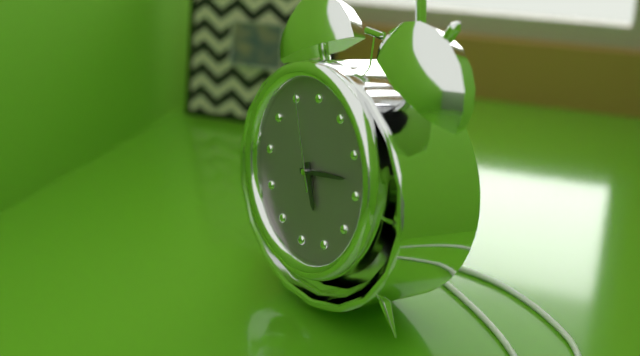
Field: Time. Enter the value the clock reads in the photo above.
5:13:56
